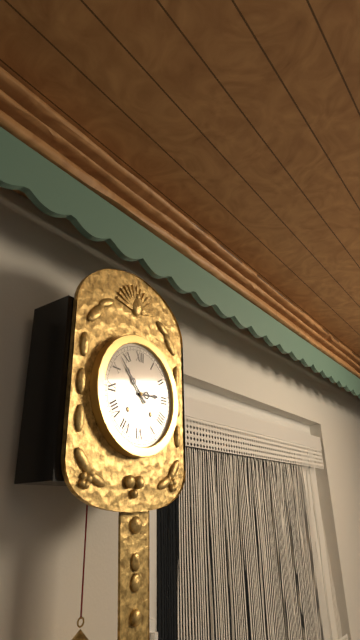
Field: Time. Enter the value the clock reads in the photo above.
2:53
